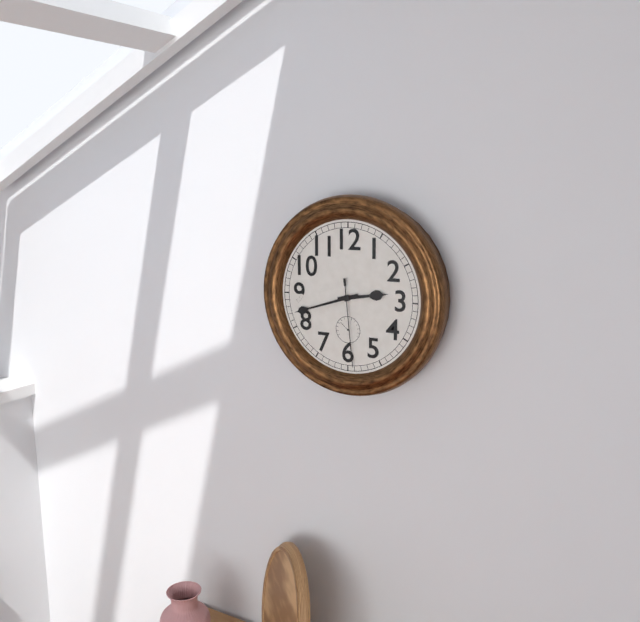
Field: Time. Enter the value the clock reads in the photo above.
2:42:29
